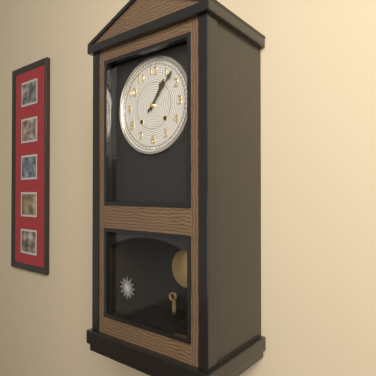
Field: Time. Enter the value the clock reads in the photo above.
1:07
